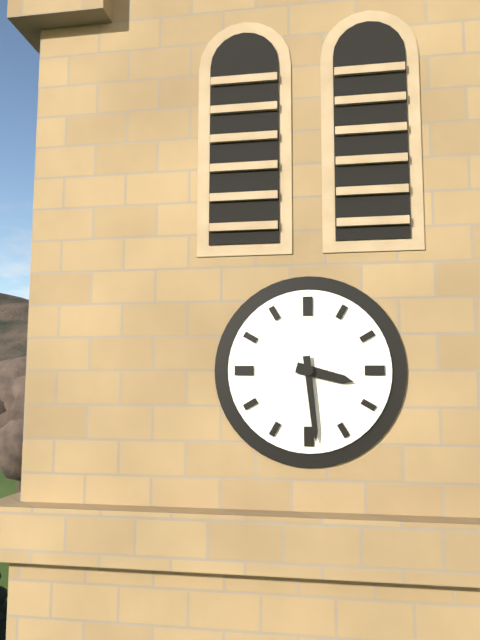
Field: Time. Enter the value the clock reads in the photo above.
3:29
